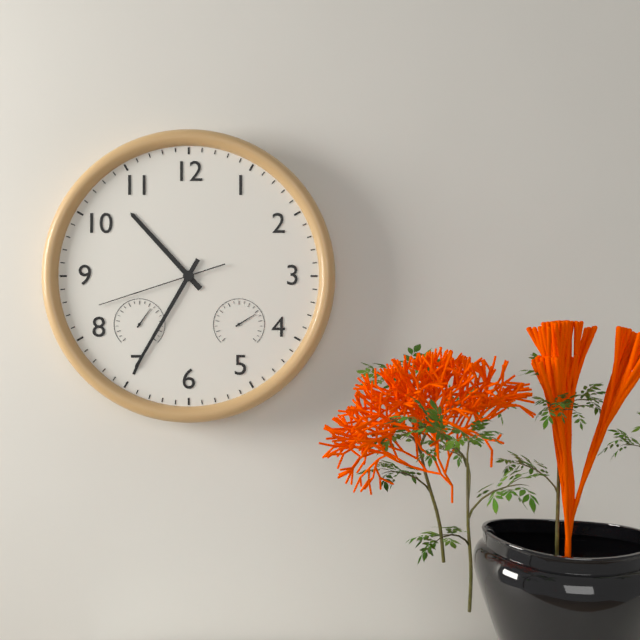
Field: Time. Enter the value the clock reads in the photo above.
10:35:42
